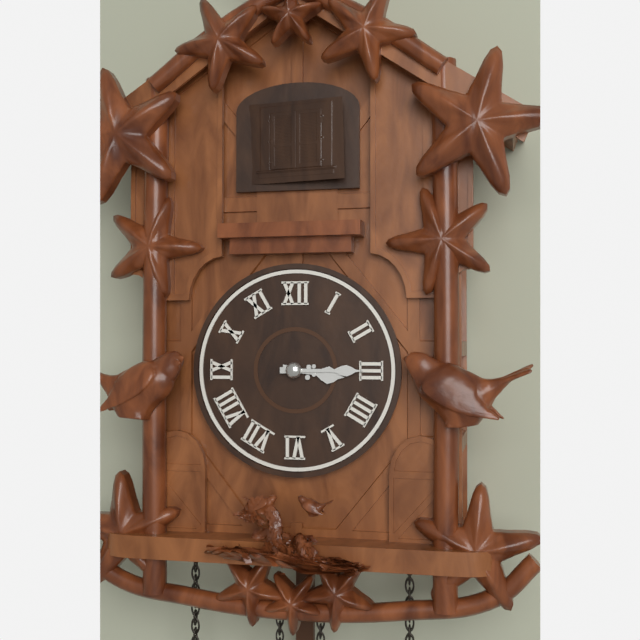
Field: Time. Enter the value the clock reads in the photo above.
3:15
